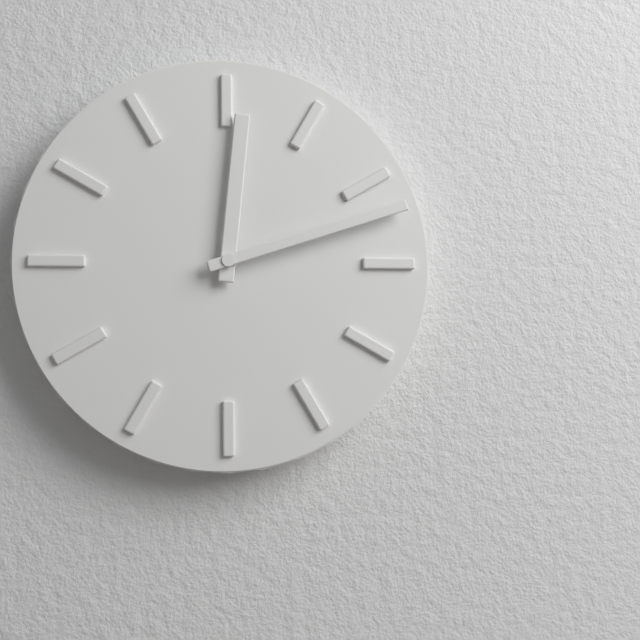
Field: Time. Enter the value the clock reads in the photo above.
12:12
